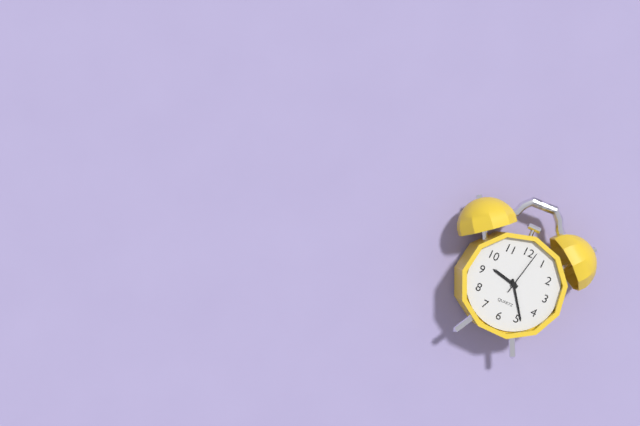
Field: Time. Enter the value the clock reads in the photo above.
9:24
